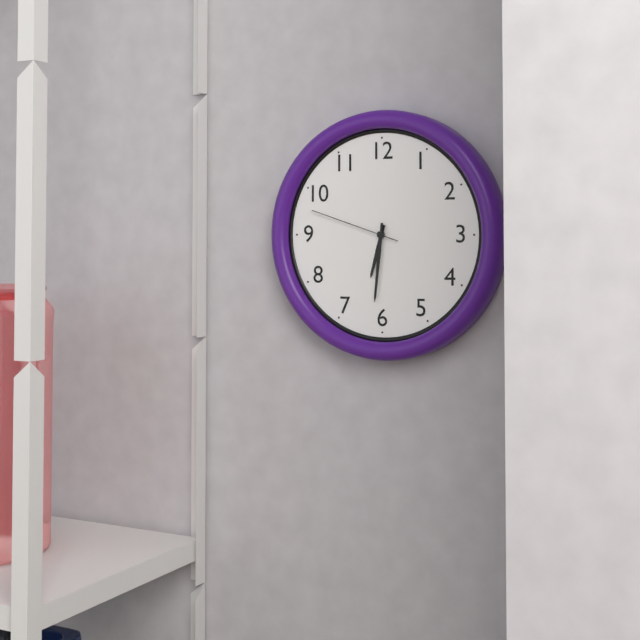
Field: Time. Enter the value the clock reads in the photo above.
6:31:48
